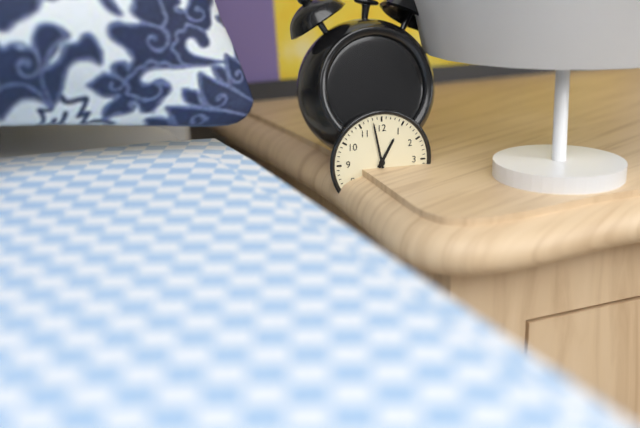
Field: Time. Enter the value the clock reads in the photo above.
12:58
